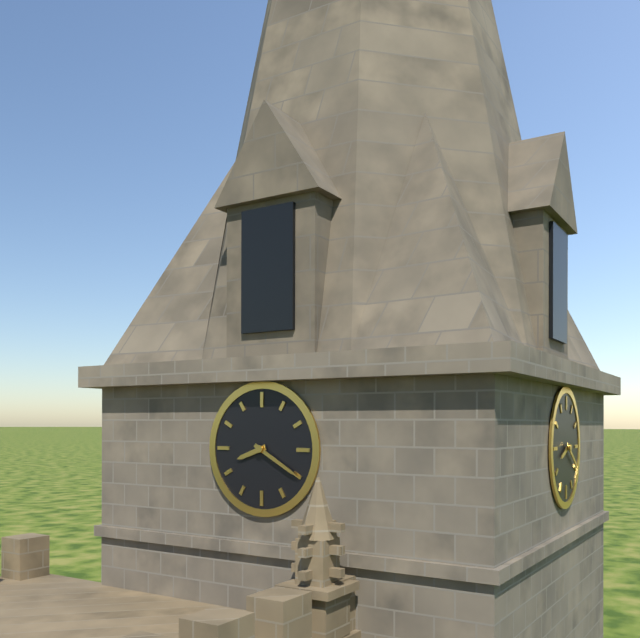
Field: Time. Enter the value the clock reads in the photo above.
8:20
